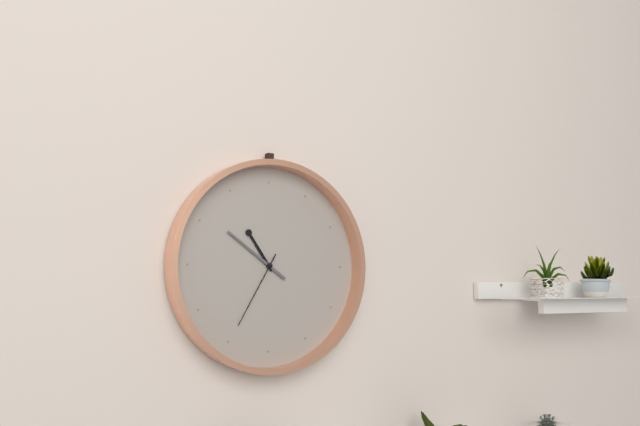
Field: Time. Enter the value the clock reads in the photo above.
10:51:35
